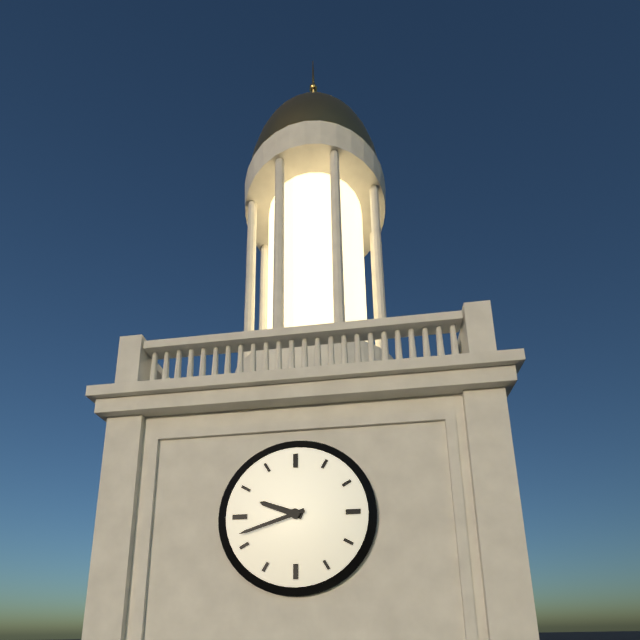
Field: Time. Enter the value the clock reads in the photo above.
9:42
